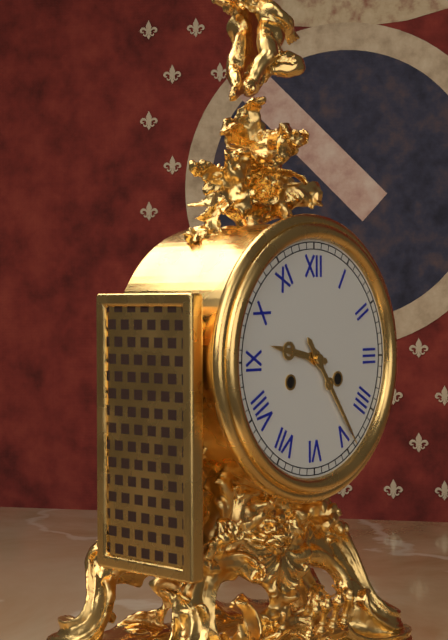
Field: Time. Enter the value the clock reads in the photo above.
9:24
